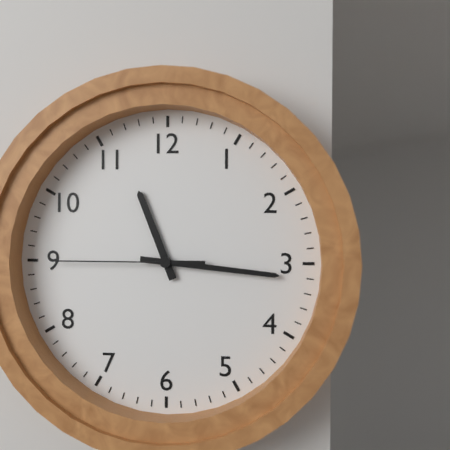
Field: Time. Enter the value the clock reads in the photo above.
11:16:45
